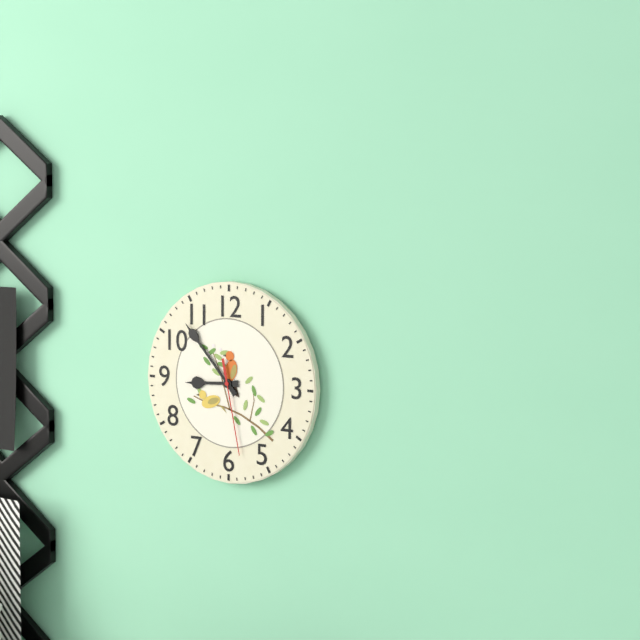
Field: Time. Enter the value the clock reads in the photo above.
8:53:28
